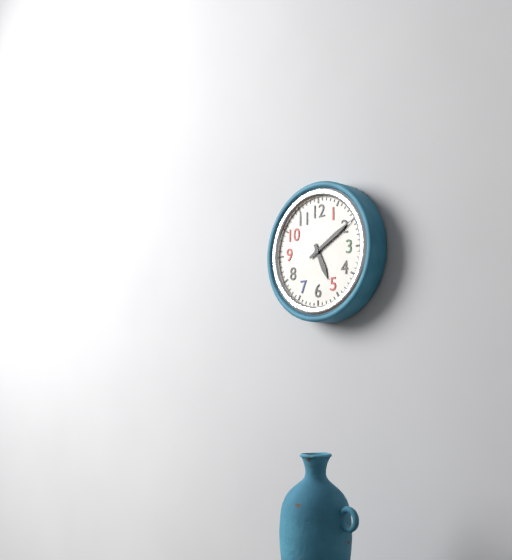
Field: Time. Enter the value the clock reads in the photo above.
5:10
